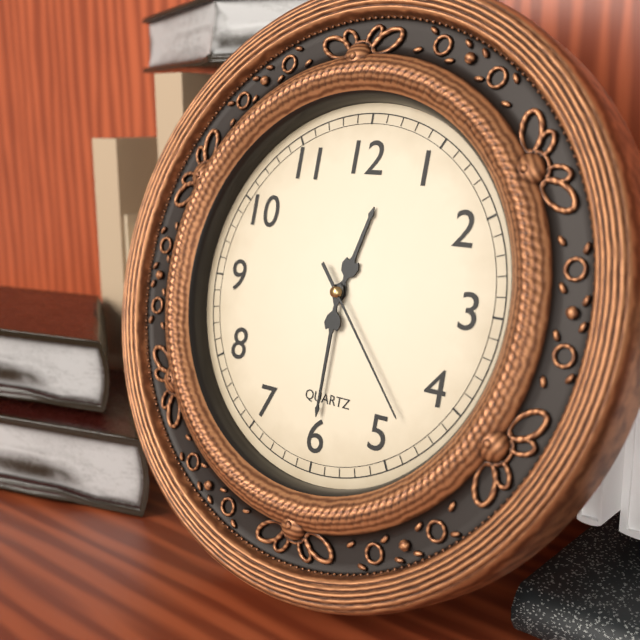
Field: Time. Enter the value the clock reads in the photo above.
12:30:23
